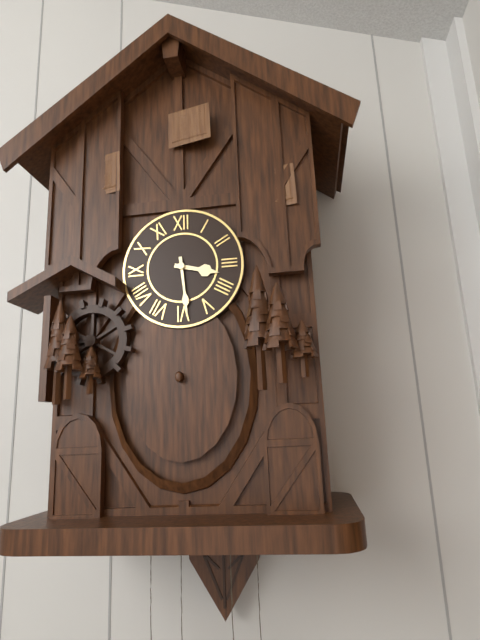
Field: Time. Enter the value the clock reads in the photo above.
3:29
